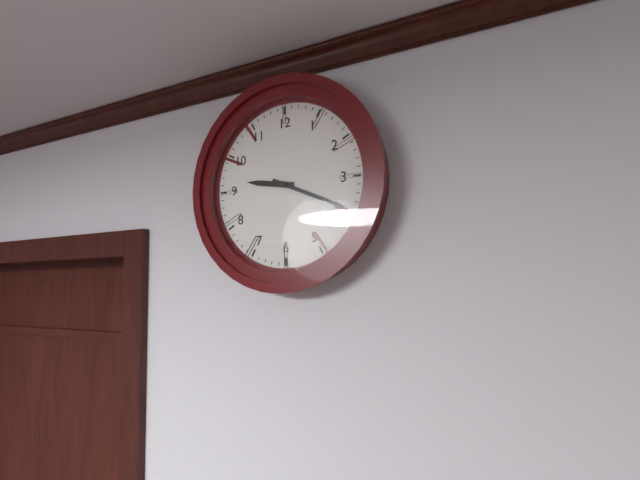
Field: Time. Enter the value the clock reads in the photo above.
9:19
